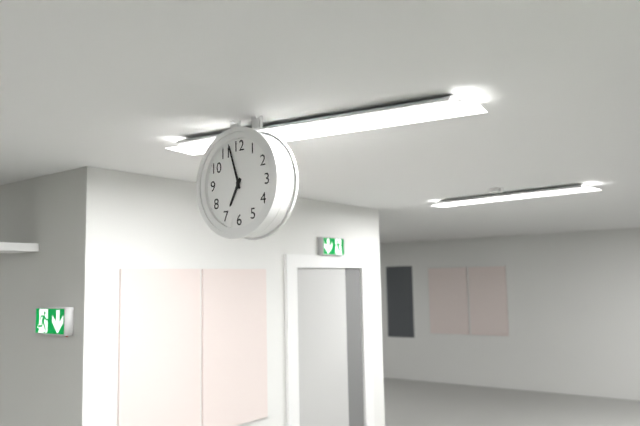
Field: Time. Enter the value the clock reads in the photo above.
6:57
